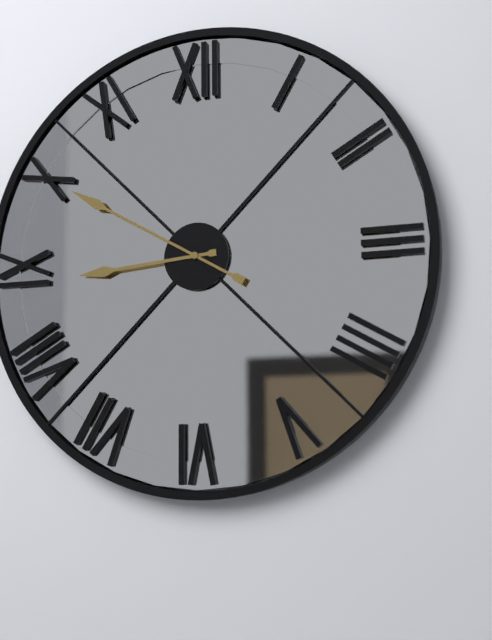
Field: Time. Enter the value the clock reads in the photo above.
8:50
